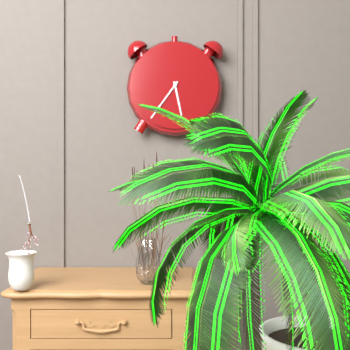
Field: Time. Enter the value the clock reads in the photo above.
5:36
